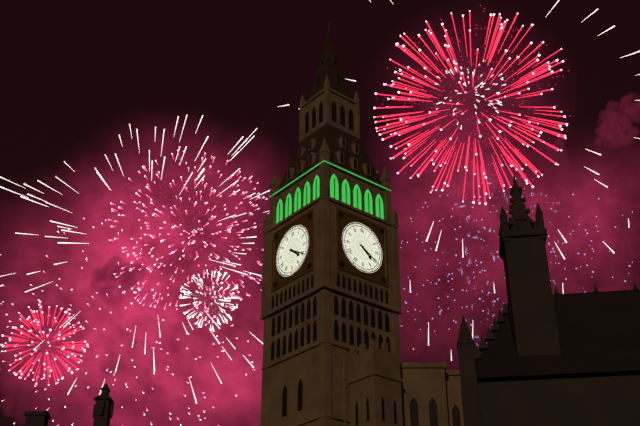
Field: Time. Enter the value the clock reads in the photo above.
4:20
